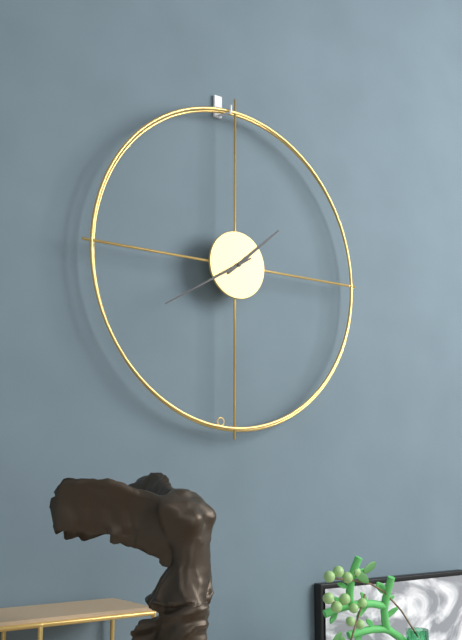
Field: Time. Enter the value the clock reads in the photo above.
1:40
